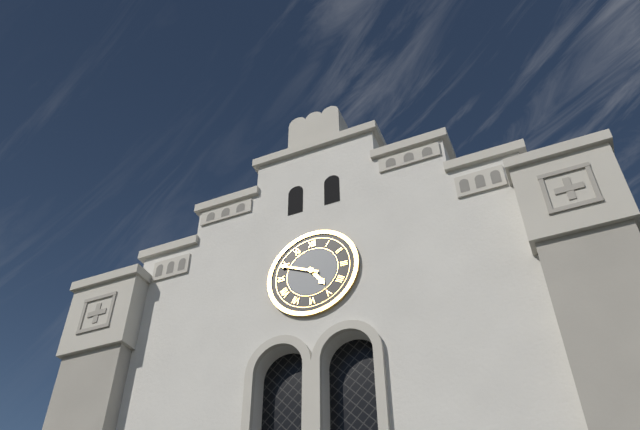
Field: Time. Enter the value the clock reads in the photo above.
4:49
